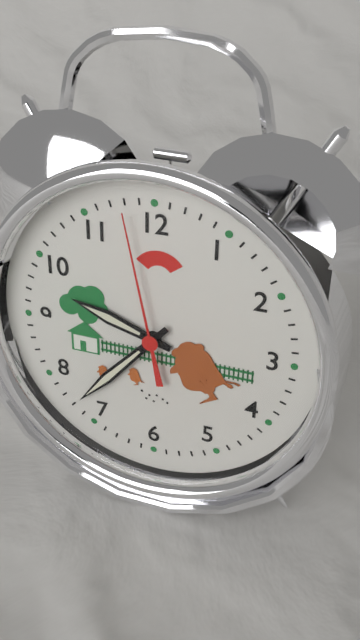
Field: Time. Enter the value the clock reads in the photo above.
9:37:58
